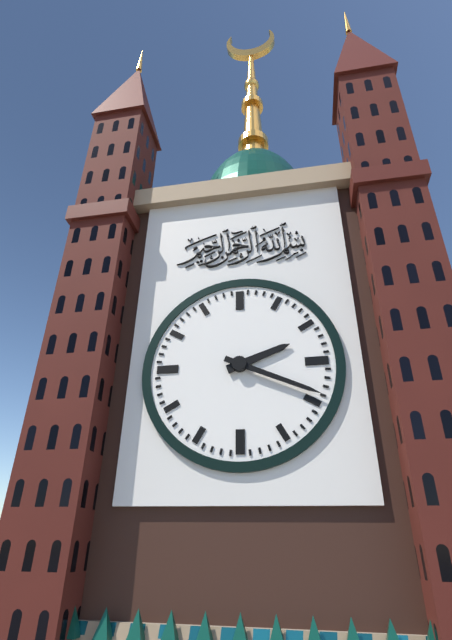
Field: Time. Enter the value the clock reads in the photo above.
2:19
